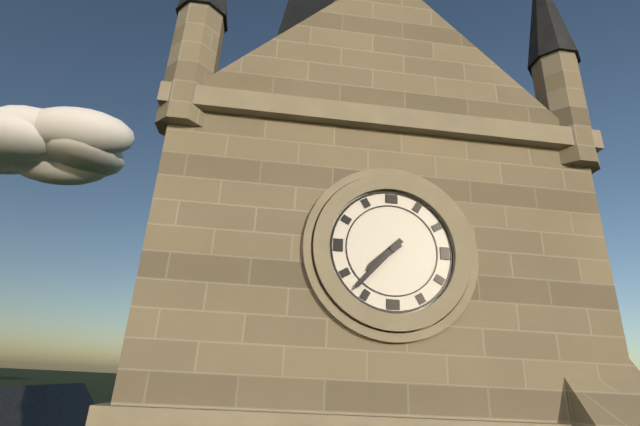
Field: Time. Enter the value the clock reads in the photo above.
7:37
